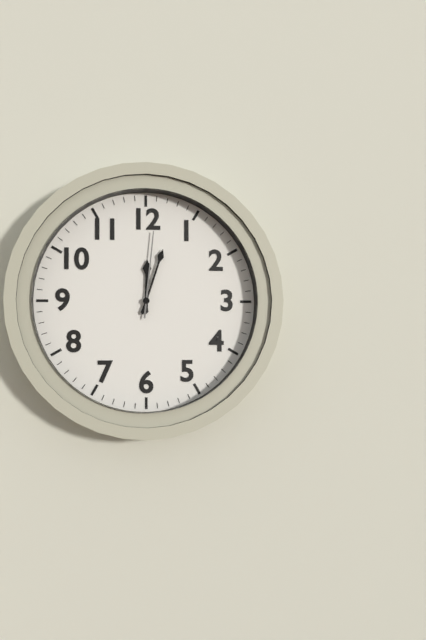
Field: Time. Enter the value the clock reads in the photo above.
12:03:01
